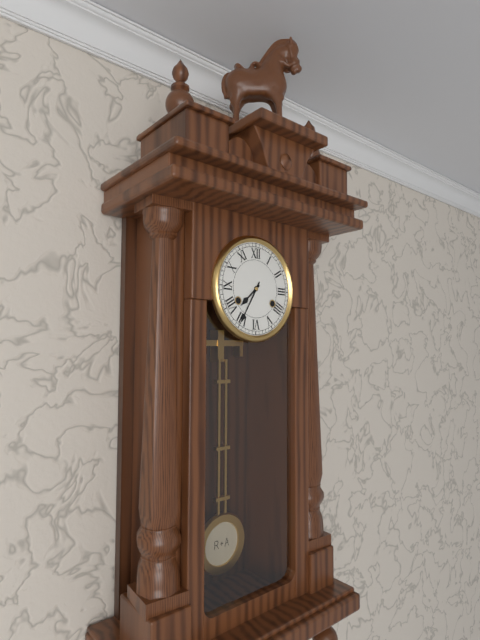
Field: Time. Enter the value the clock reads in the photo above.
7:35
